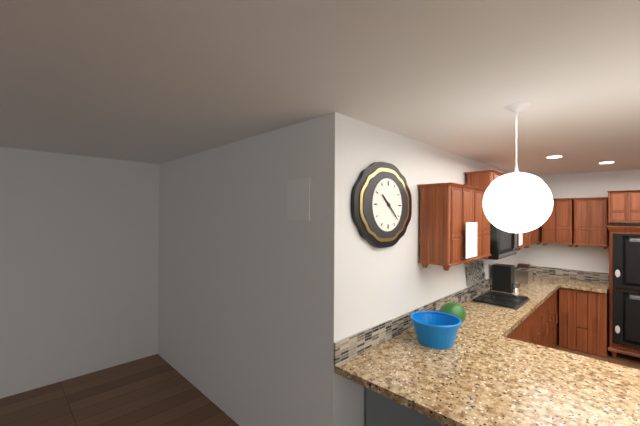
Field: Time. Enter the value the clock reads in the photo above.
10:22
